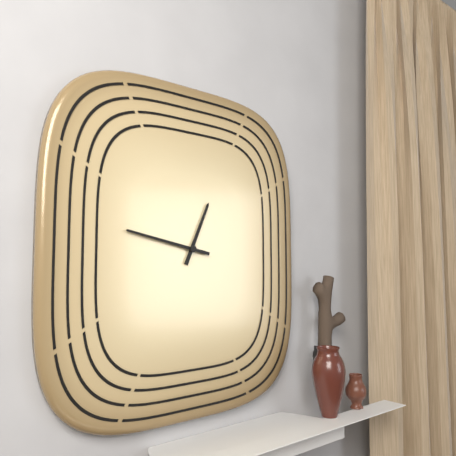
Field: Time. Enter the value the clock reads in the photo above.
12:47
